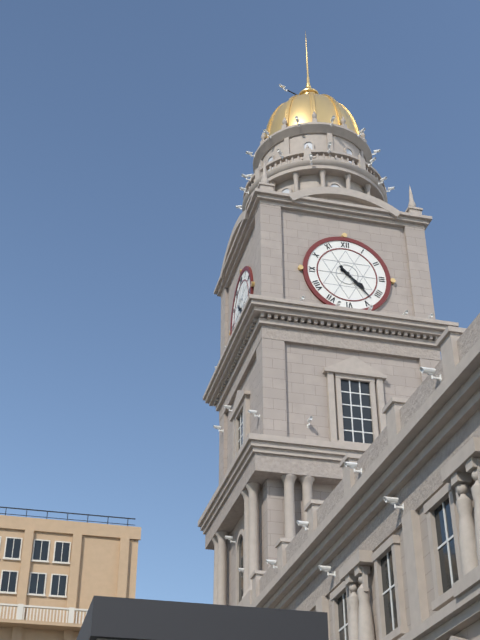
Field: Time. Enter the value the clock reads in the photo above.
4:23
